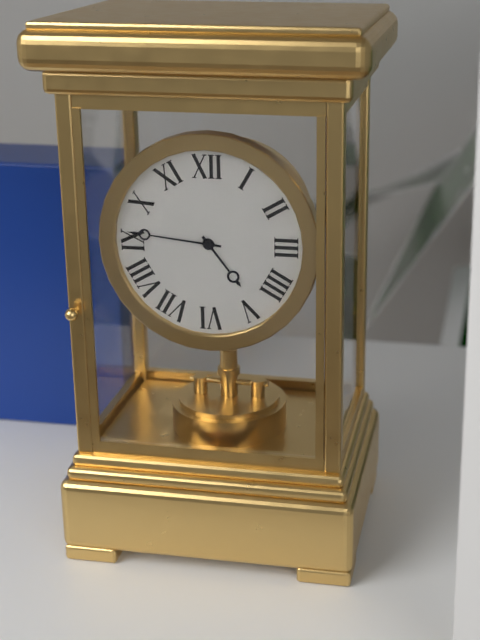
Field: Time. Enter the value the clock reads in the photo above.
4:46
